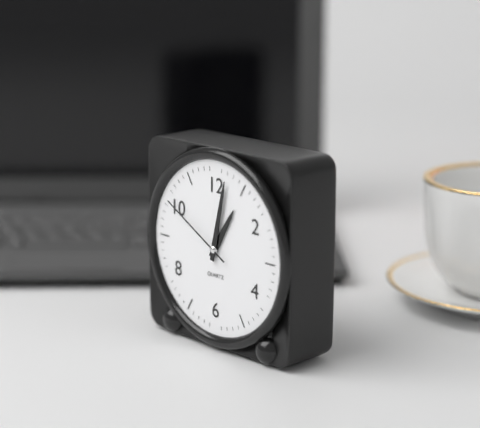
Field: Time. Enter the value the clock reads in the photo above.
1:02:50
